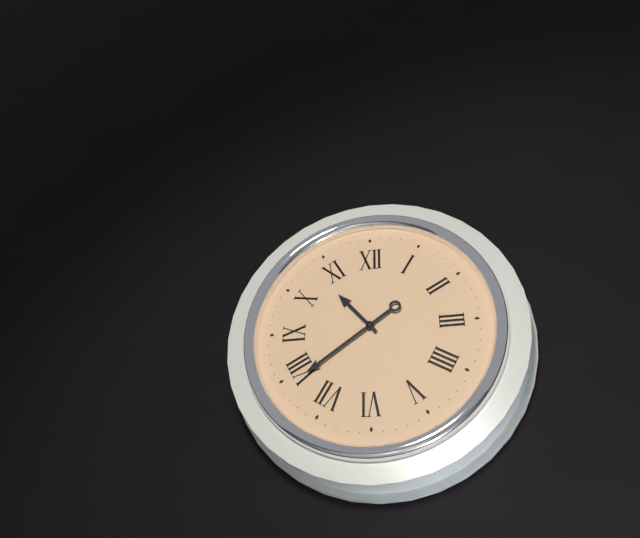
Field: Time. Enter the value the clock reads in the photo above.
10:39
